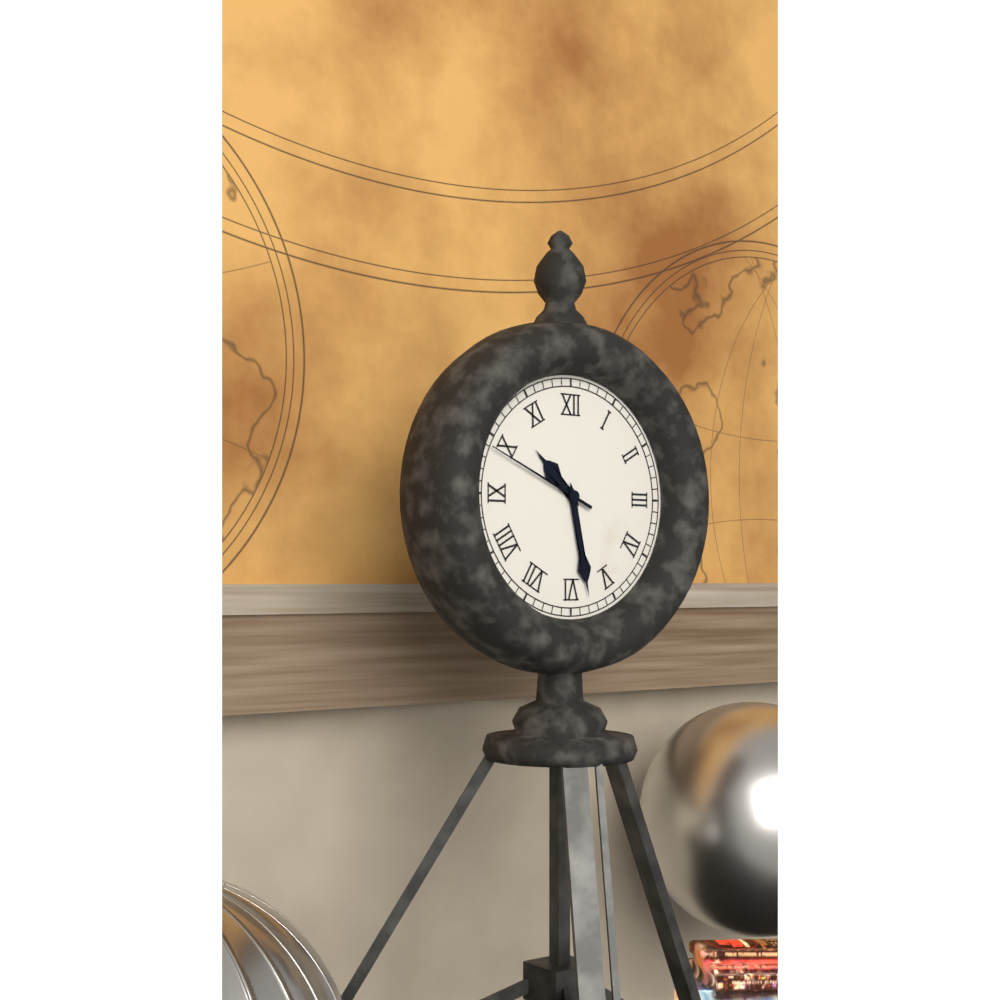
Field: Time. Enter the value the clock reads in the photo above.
10:28:49
